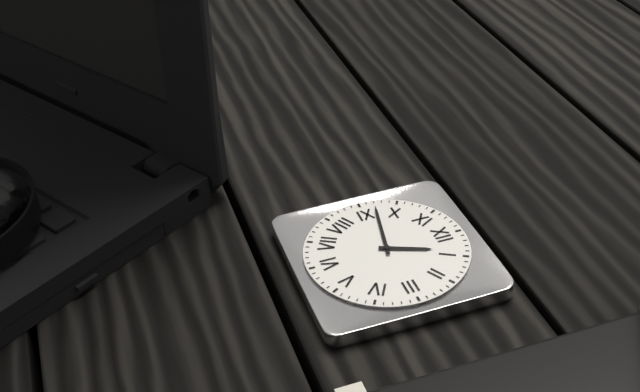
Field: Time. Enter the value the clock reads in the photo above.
12:47
